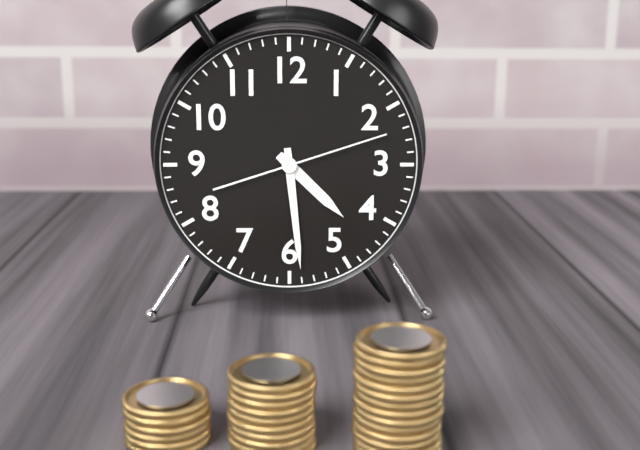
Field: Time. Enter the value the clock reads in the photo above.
4:29:12
